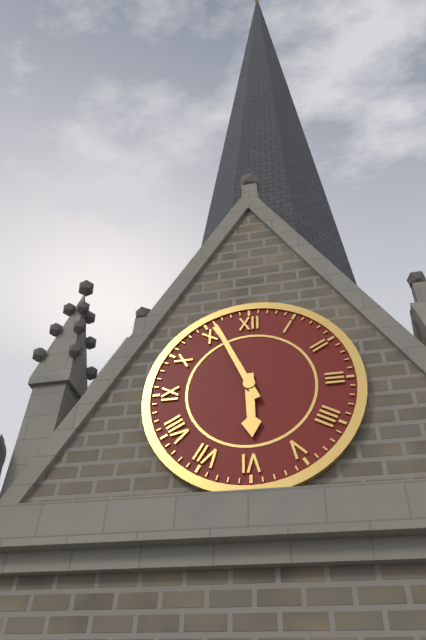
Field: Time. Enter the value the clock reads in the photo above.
5:56
